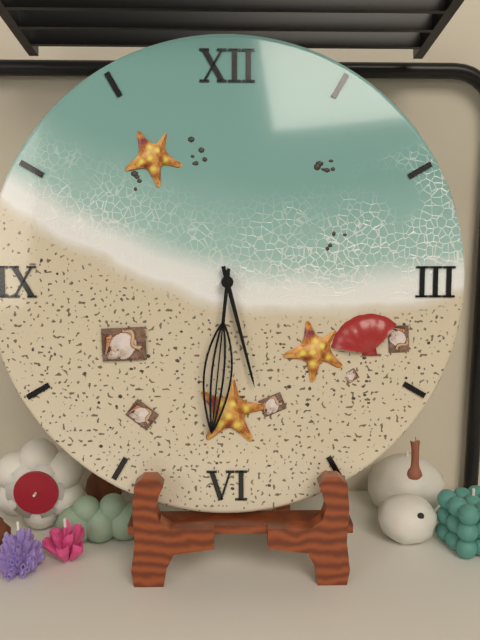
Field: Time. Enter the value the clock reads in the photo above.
5:31
